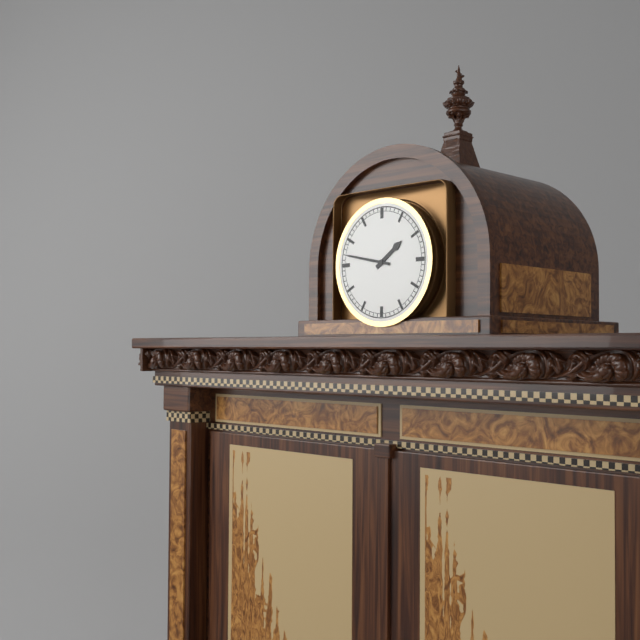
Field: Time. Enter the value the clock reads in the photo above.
1:47
